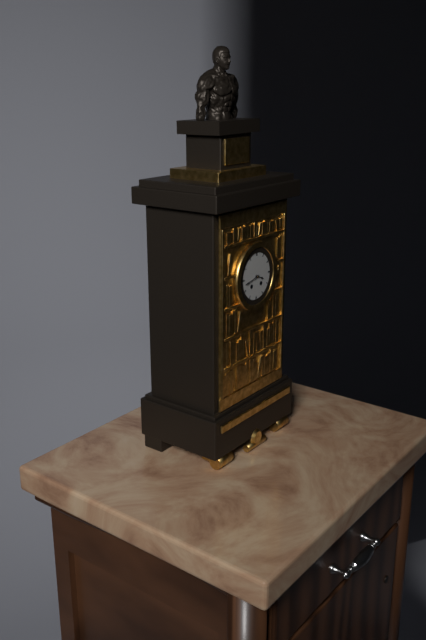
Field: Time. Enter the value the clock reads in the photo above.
3:43
